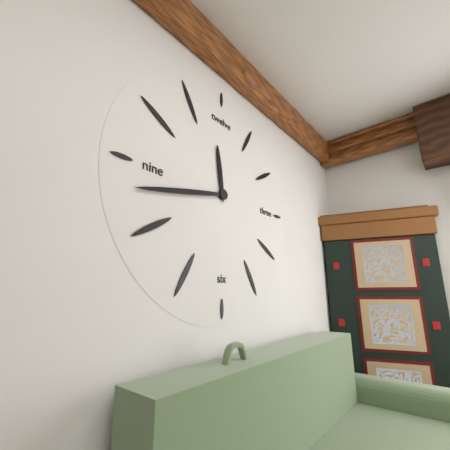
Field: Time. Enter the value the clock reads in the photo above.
11:43
